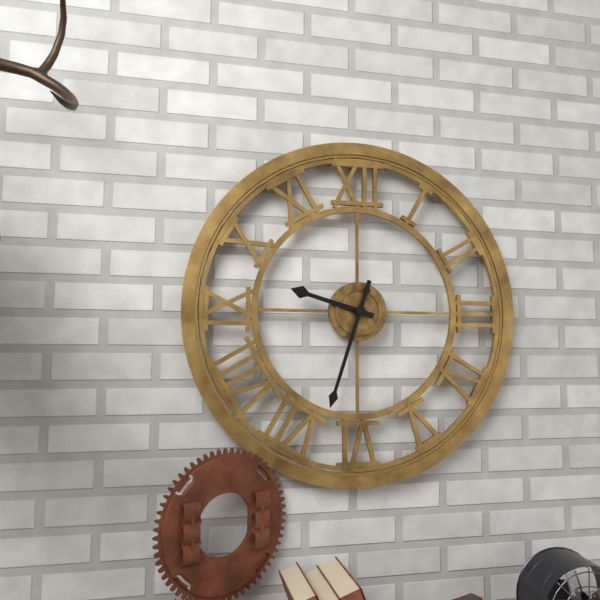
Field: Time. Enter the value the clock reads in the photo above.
9:33
